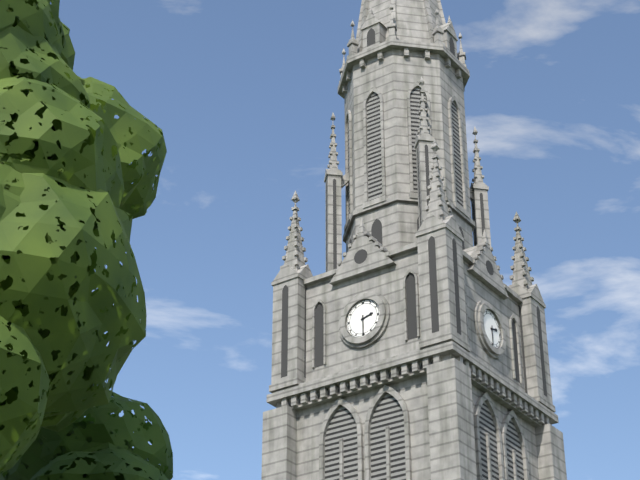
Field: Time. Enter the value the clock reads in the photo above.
2:30
